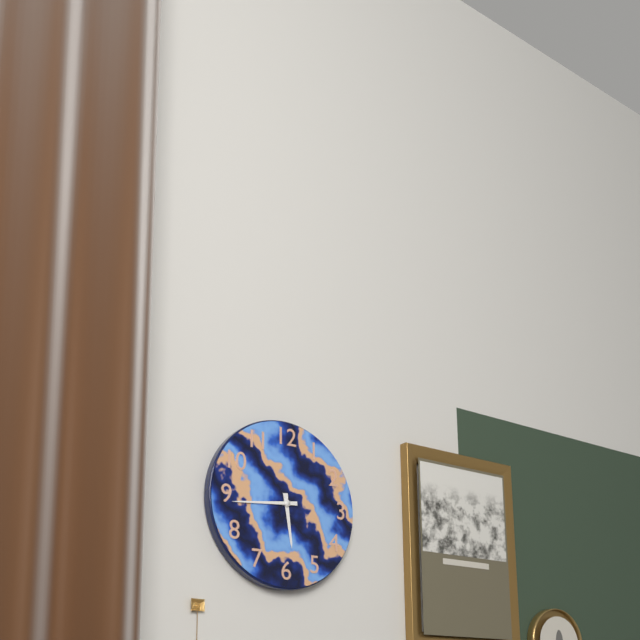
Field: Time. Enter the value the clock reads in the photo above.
5:44
